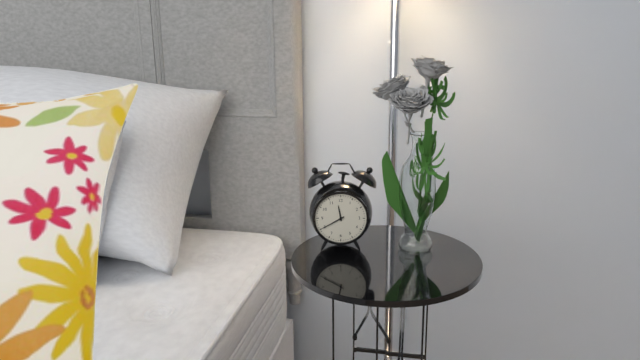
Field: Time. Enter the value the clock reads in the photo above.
11:40
